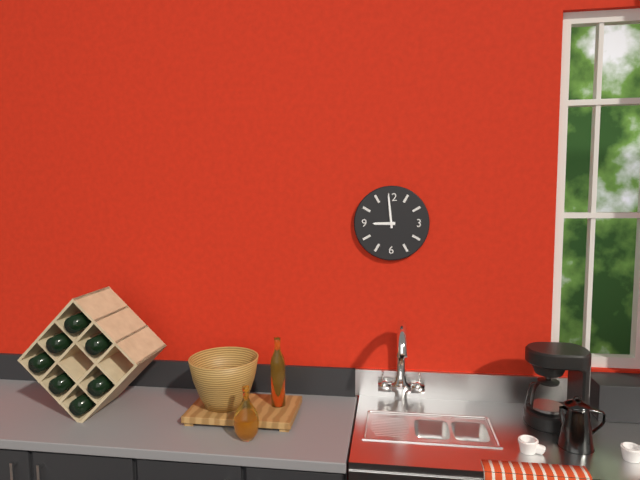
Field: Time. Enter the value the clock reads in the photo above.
8:59
